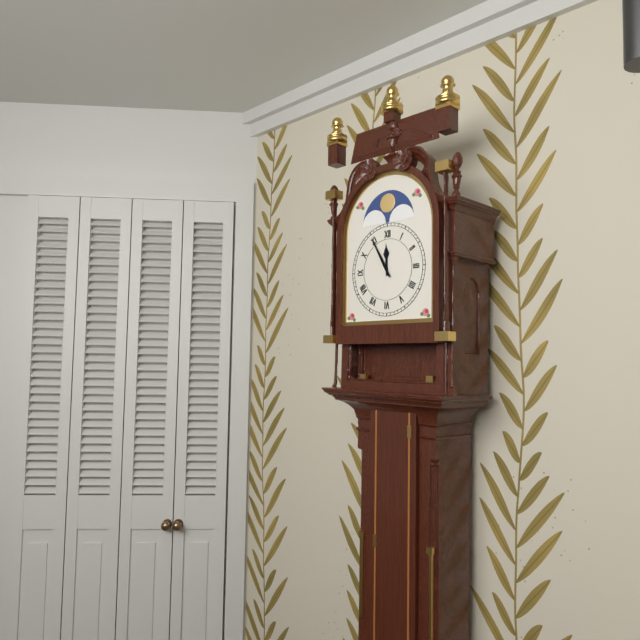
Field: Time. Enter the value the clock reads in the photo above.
11:55
